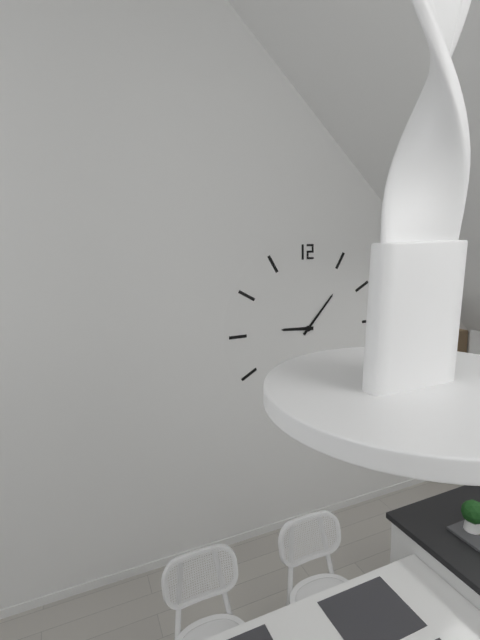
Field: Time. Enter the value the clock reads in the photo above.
9:07
